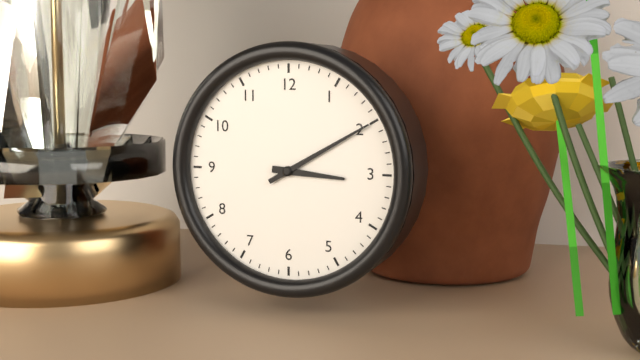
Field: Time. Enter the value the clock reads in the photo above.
3:10
